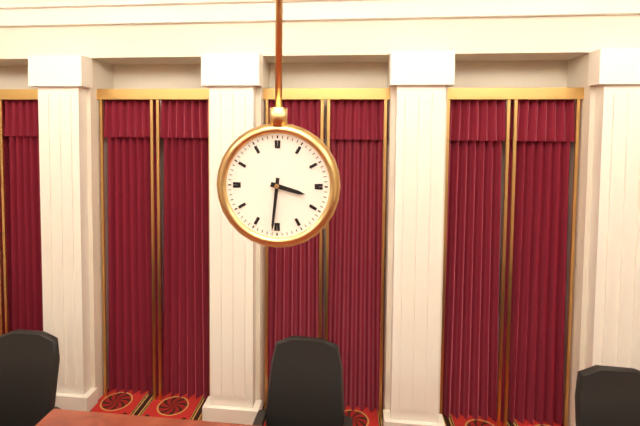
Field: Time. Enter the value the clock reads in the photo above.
3:31
